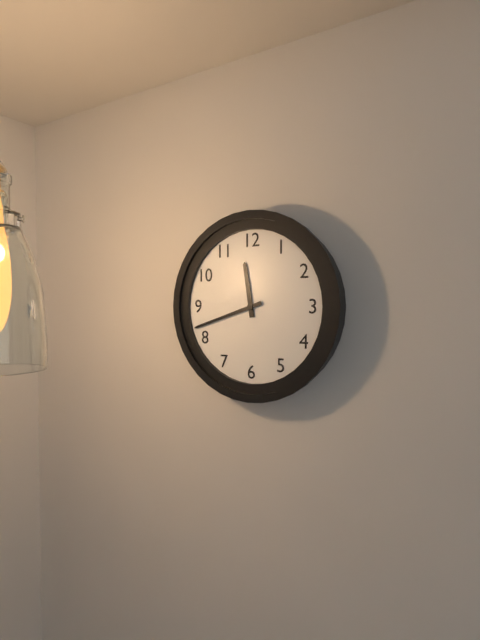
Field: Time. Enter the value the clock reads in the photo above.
11:42
